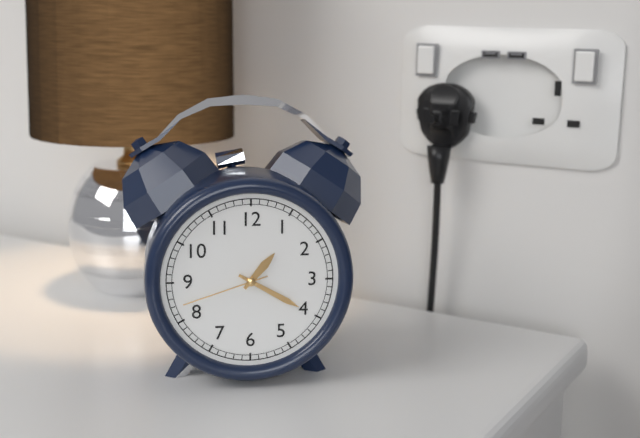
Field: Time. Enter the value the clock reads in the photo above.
1:20:42
